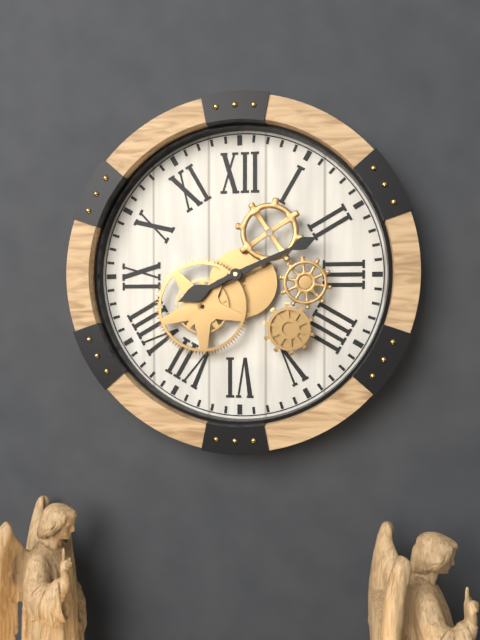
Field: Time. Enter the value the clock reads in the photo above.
8:11
